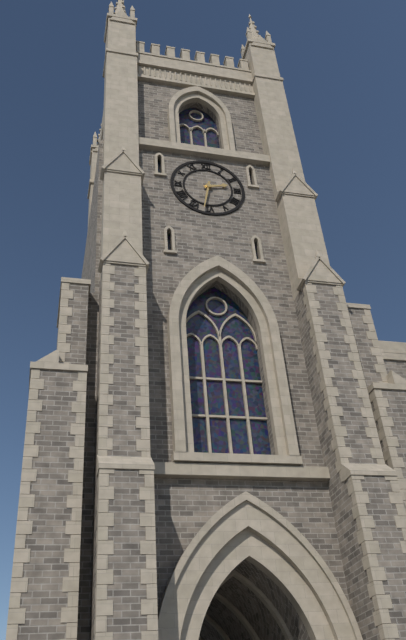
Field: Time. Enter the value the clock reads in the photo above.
2:32
